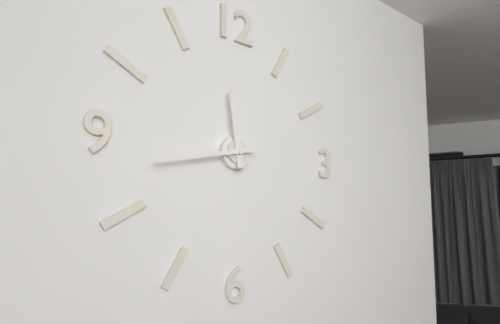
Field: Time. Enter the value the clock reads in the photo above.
11:43
